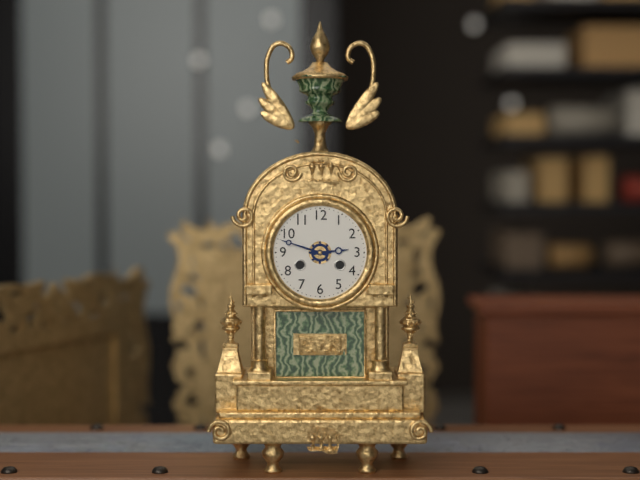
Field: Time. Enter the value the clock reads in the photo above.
2:48
